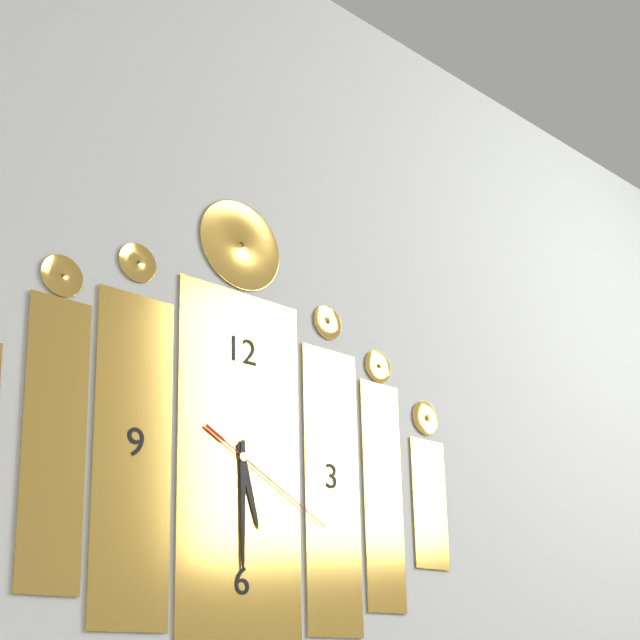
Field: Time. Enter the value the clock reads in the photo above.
5:30:20
